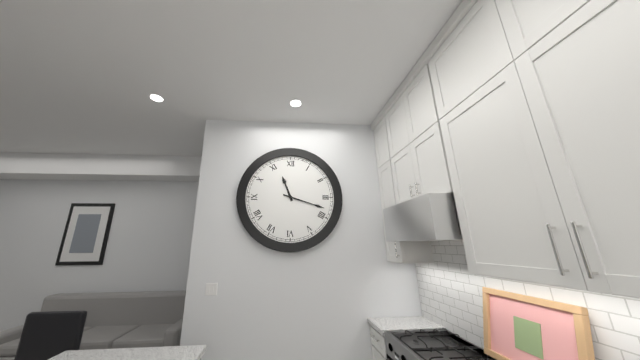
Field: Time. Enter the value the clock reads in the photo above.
11:18
